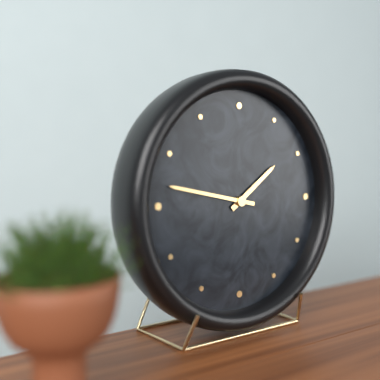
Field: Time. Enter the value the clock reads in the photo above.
1:47
